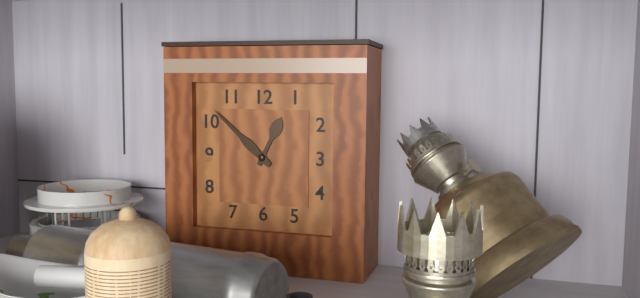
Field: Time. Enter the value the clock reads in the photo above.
12:52
